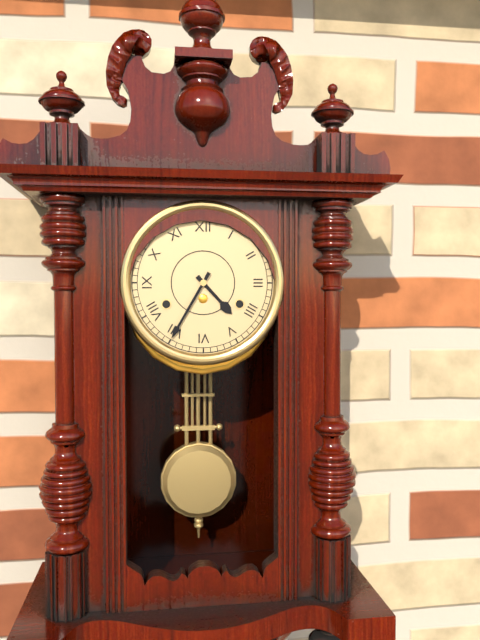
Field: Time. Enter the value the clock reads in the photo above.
4:35
